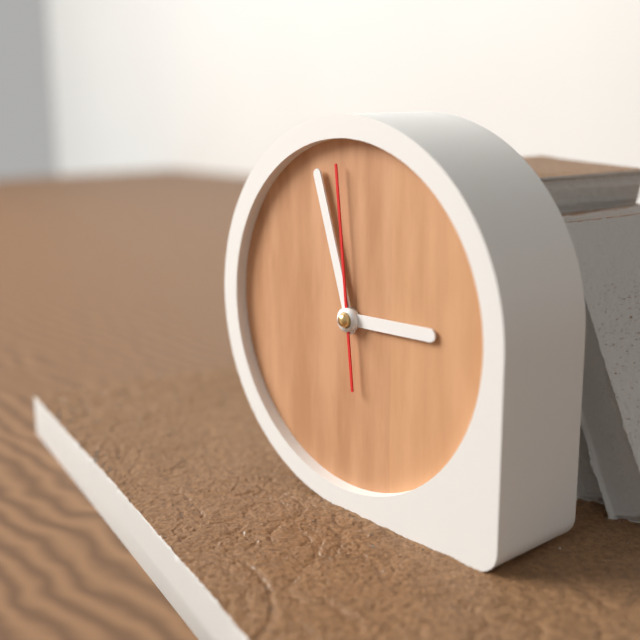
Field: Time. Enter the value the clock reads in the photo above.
2:57:59
